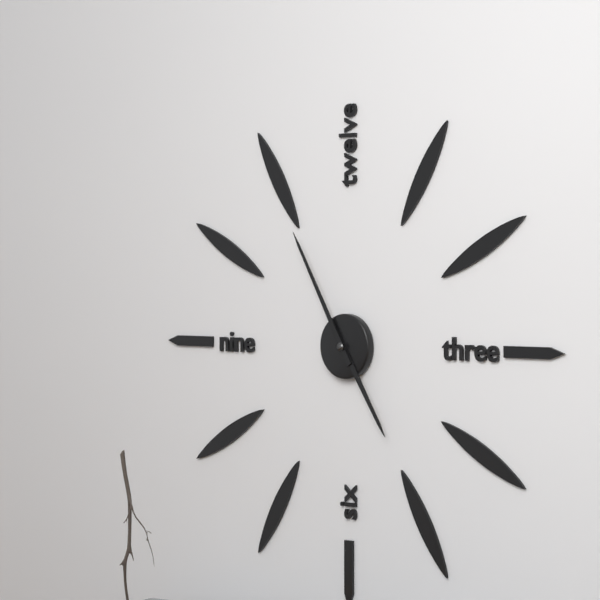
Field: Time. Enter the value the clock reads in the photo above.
4:55
